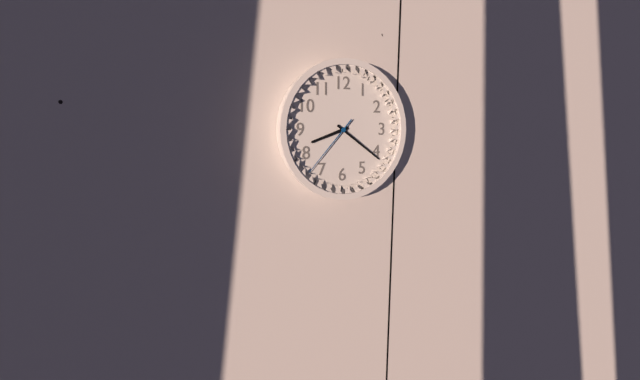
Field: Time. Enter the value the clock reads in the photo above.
8:21:37
